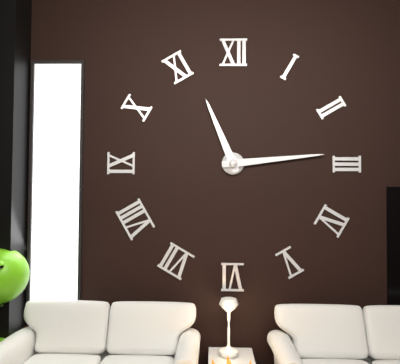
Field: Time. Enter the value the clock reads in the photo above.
11:14
